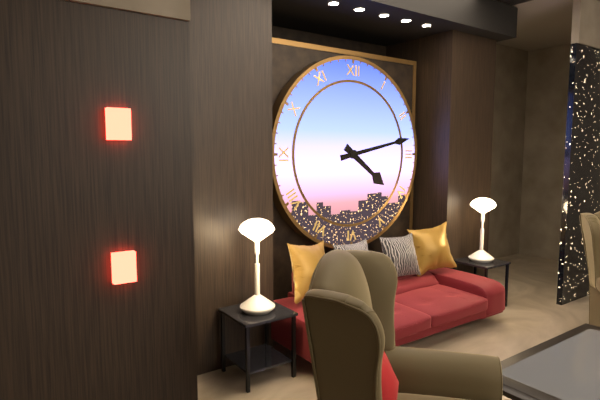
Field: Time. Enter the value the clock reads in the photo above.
4:13
